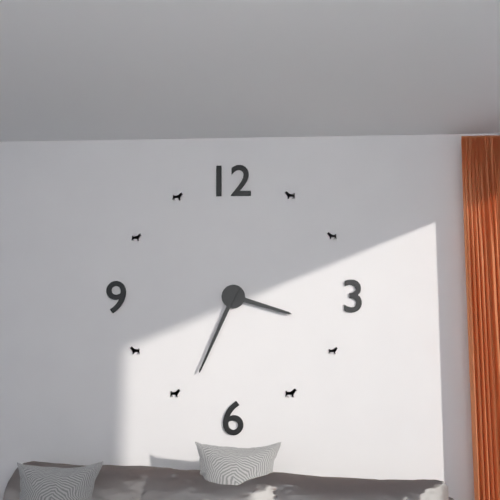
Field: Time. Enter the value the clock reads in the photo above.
3:34
